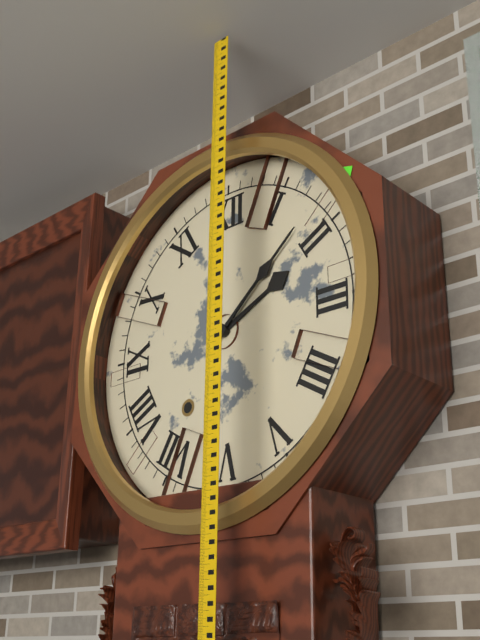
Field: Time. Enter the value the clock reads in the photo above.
2:08
